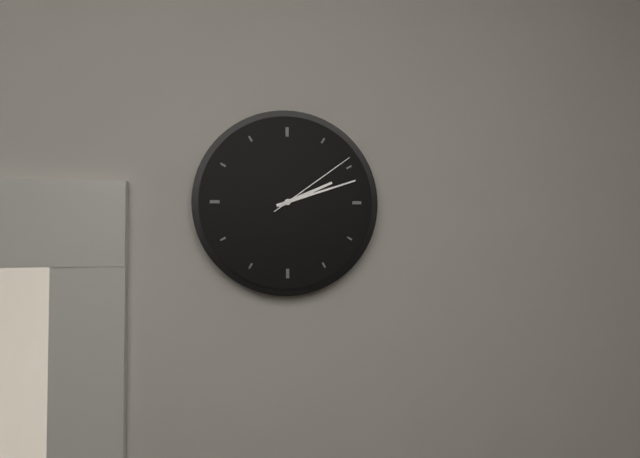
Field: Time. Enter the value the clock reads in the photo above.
2:12:09
